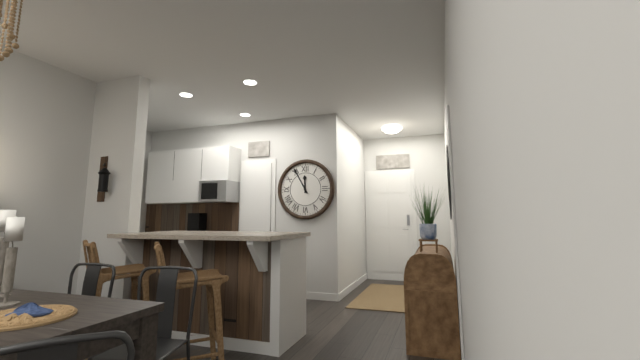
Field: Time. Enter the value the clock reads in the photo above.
11:55
